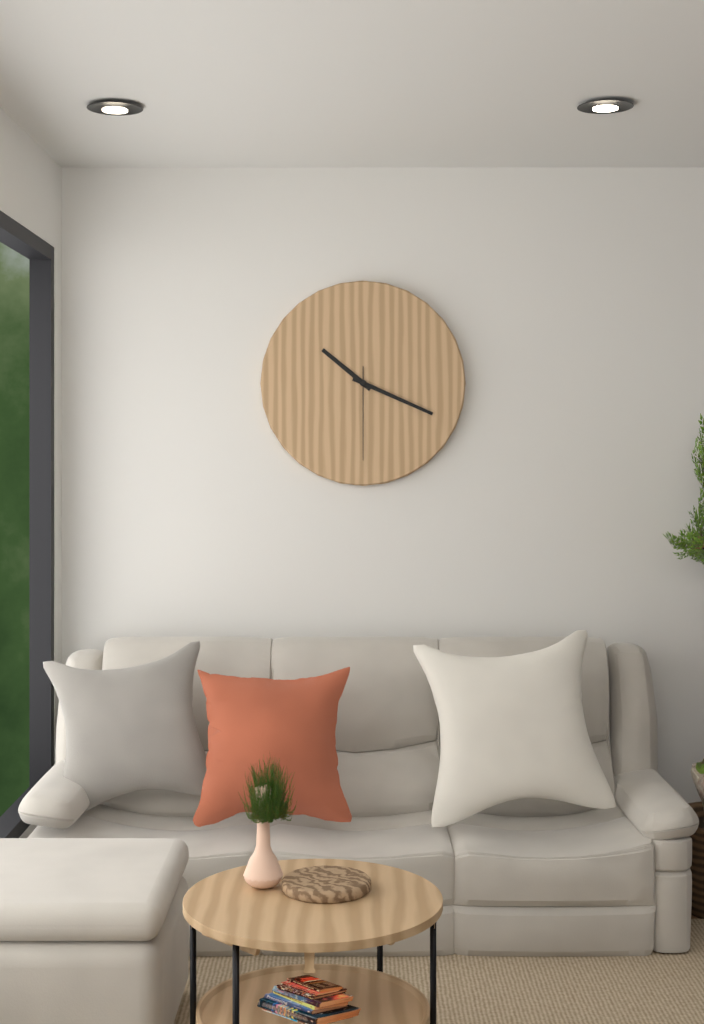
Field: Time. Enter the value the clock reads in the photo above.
10:19:30
